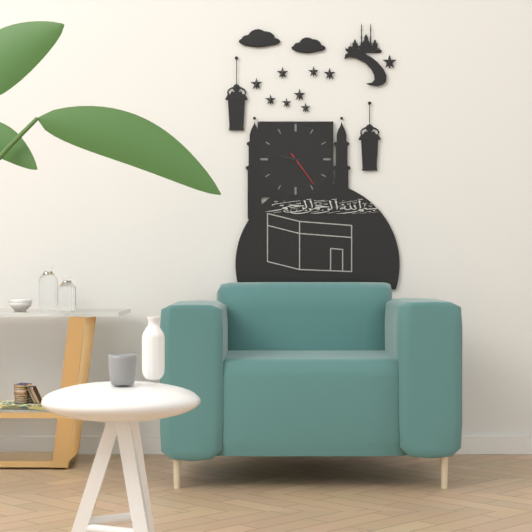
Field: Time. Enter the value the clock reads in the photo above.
9:24
